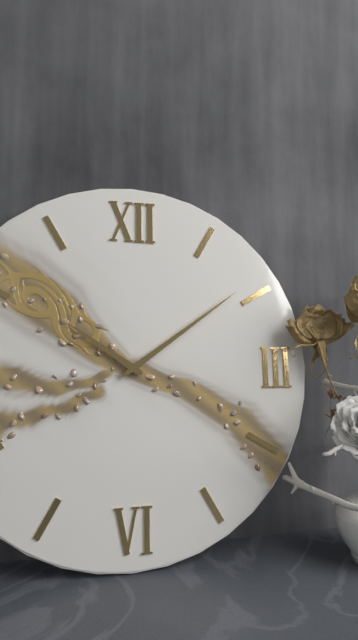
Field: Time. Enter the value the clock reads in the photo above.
10:09
